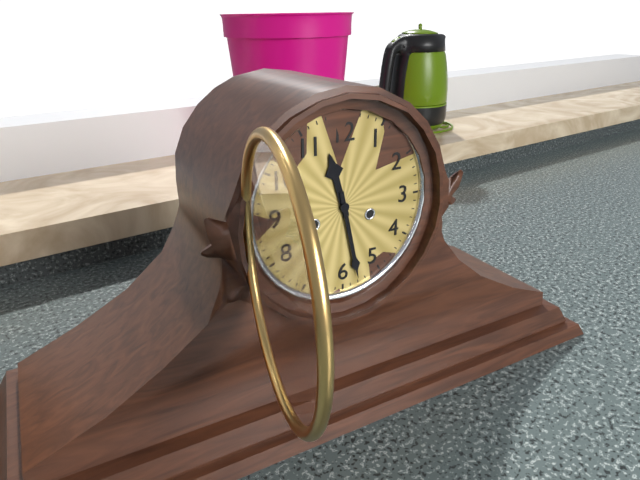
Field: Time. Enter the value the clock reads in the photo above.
11:28
